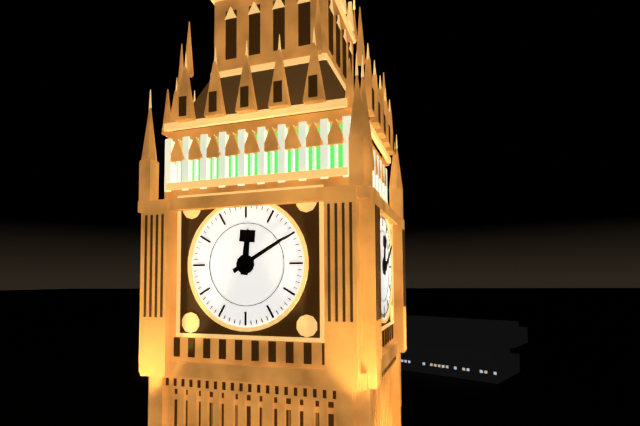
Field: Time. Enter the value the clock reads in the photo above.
12:10
